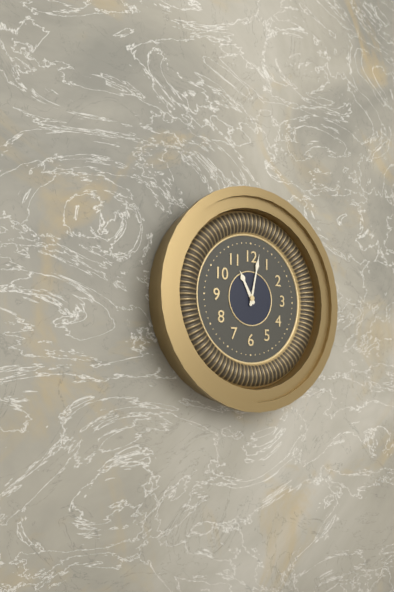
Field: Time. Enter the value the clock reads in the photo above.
11:02
